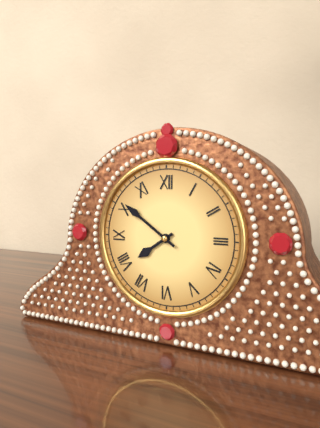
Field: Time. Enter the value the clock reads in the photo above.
7:51
